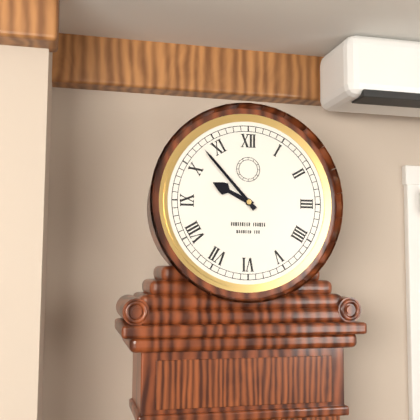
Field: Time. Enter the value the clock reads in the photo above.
9:53
